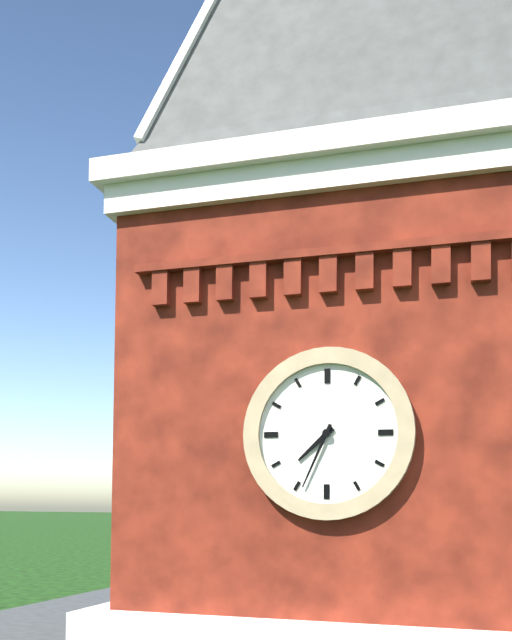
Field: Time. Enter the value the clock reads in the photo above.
7:34
